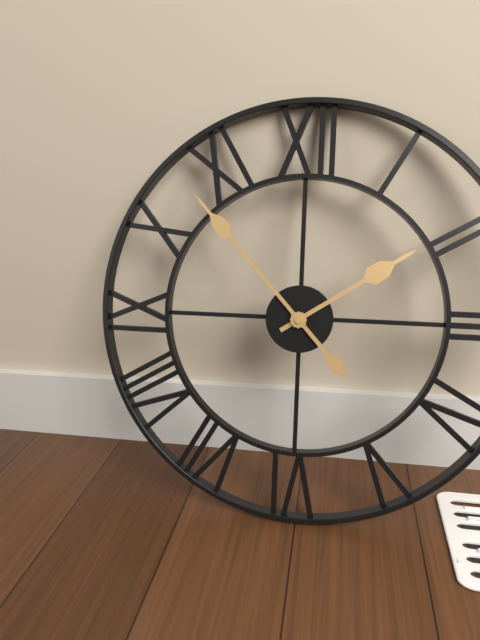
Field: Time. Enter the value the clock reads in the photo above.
1:53
